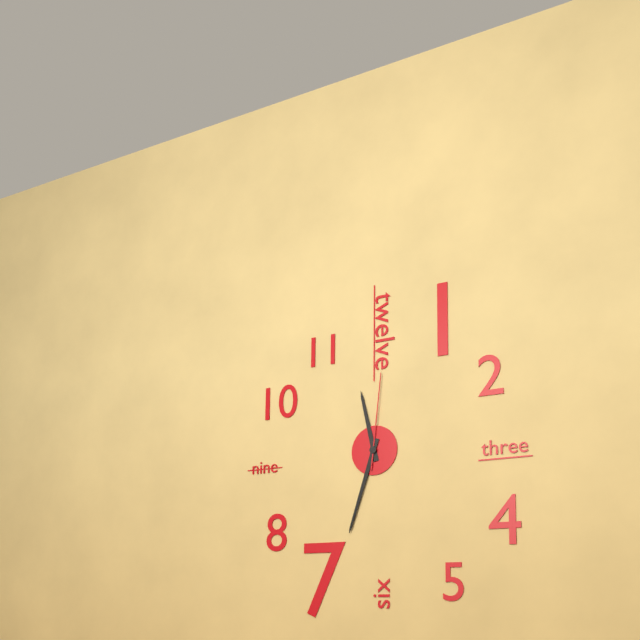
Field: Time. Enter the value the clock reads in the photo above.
11:33:01
